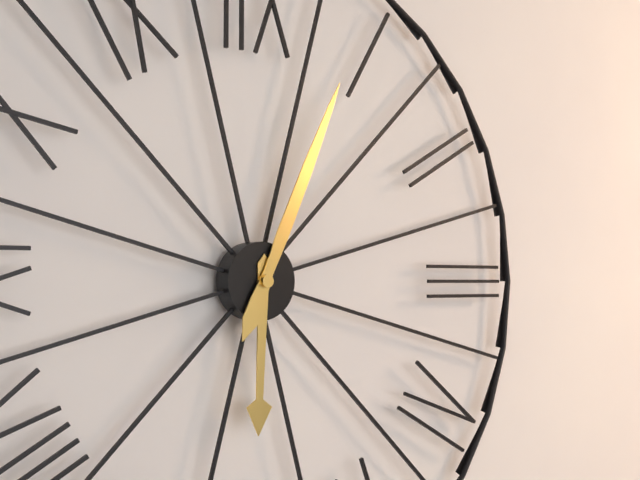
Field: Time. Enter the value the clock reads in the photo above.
6:04
